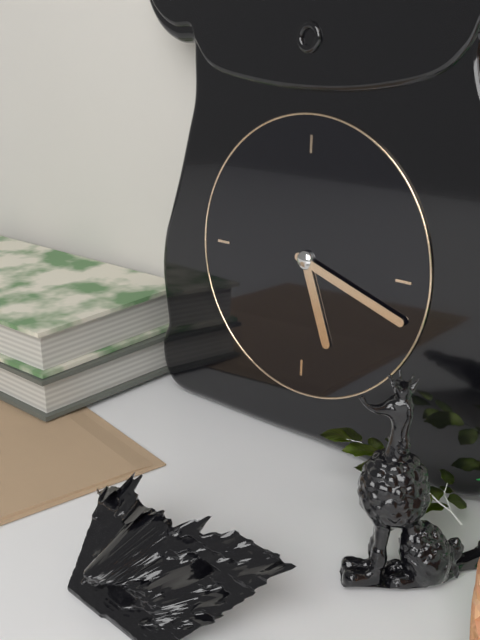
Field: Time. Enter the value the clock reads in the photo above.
5:18
